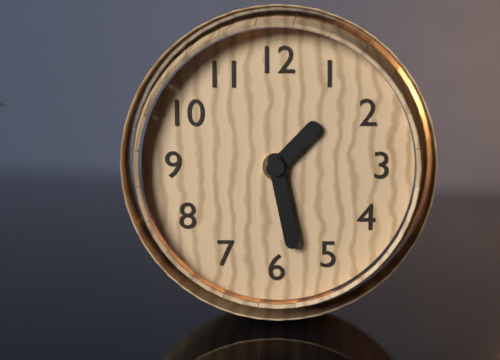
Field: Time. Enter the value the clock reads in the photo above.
1:28
